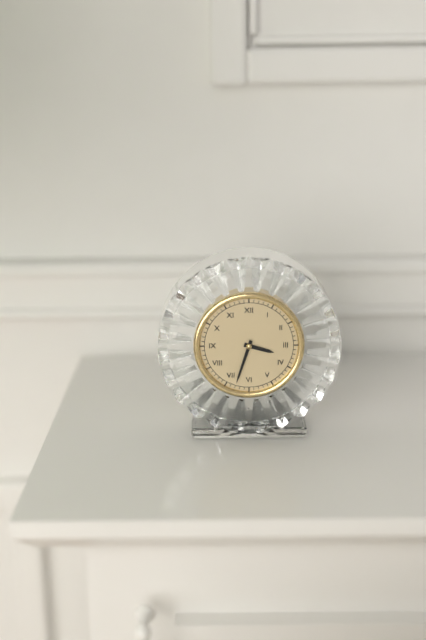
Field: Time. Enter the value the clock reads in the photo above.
3:33
